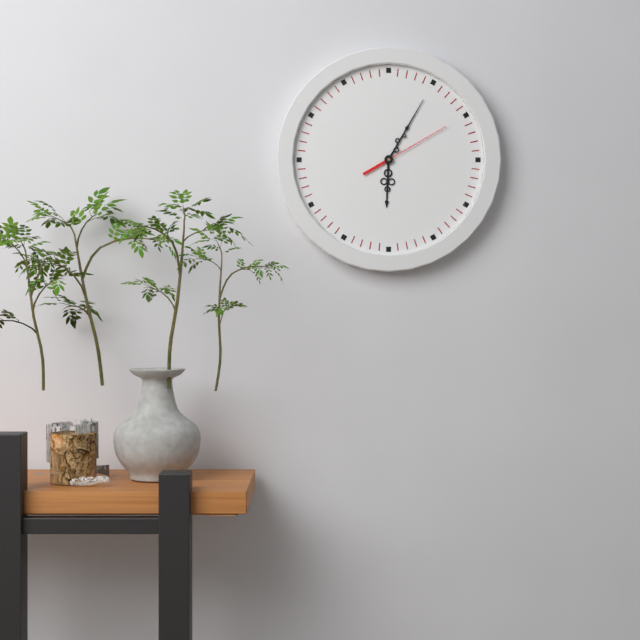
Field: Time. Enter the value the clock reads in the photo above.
6:05:10
